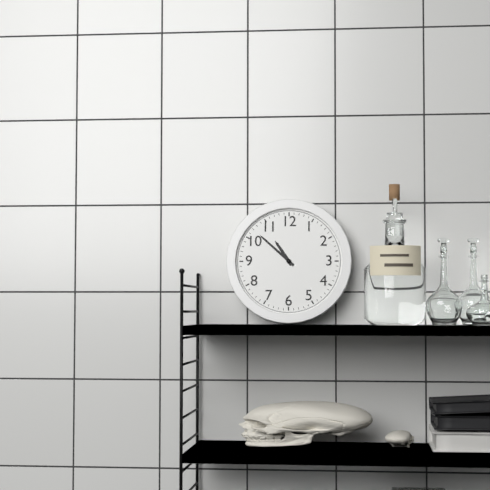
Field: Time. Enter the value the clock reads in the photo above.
10:52
